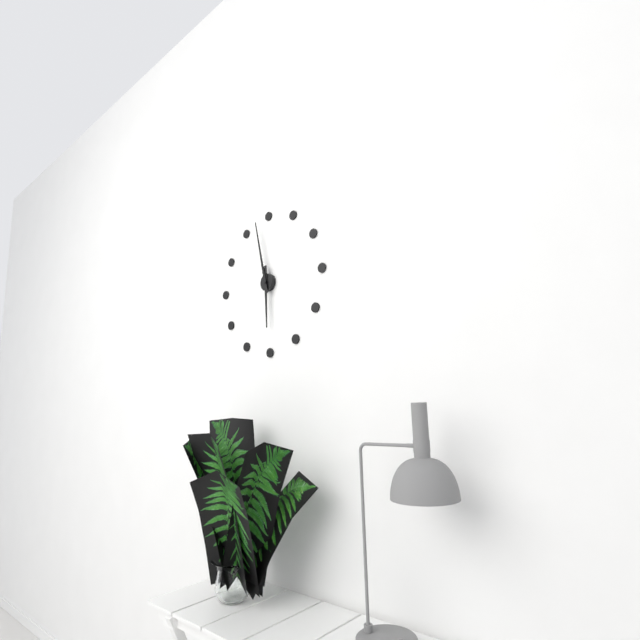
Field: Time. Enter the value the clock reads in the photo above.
5:58
